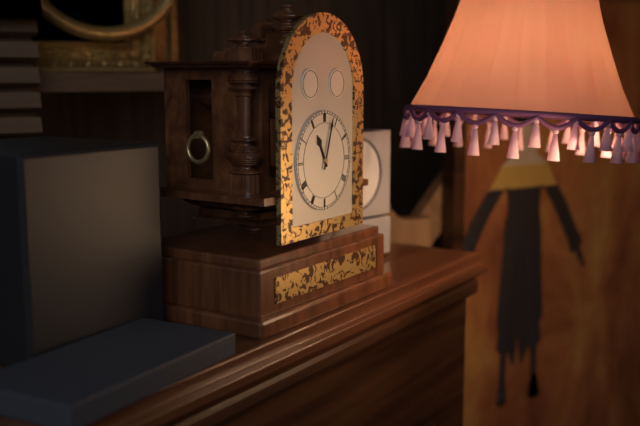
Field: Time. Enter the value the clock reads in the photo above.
11:03
